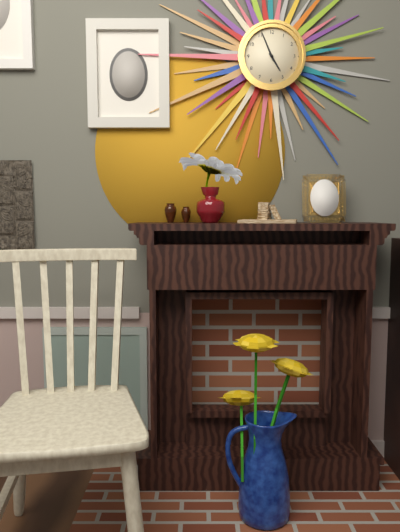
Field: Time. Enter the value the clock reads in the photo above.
4:56
